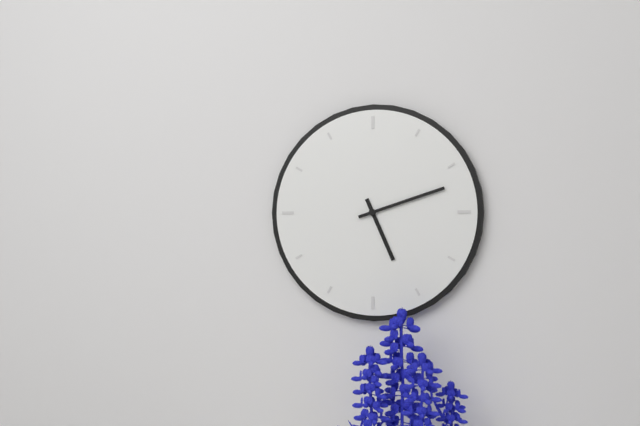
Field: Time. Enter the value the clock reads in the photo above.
5:12
